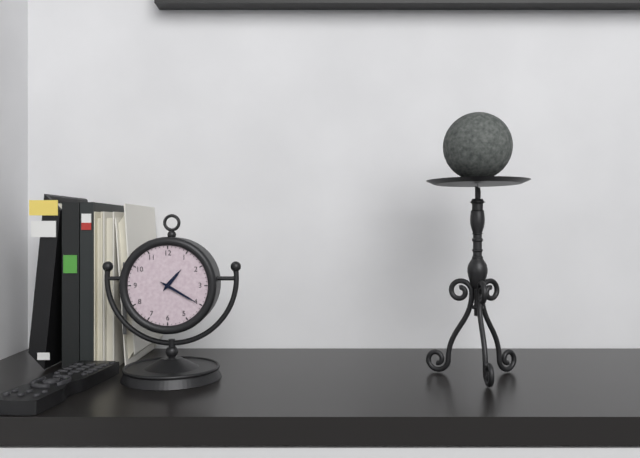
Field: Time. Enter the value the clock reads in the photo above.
1:20
